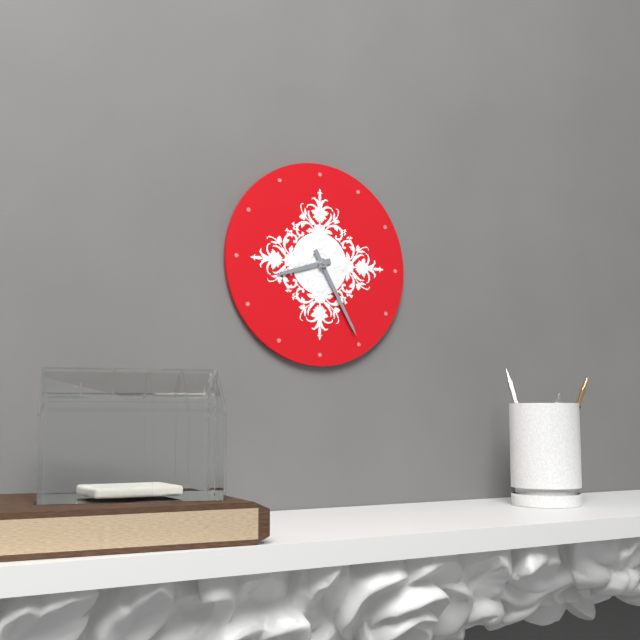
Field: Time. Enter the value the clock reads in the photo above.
8:25
